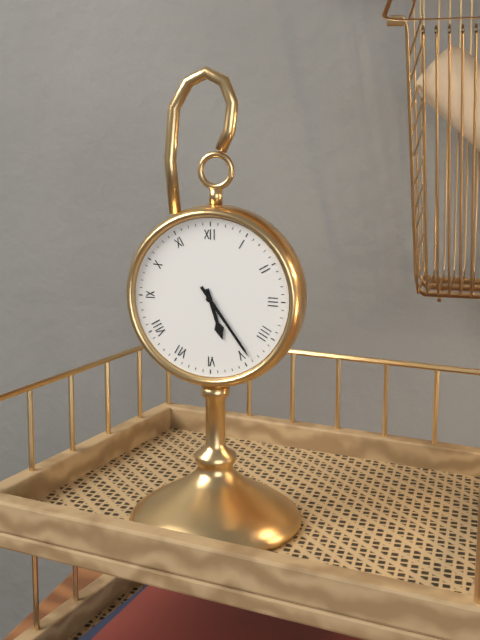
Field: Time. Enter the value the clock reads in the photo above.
5:24
